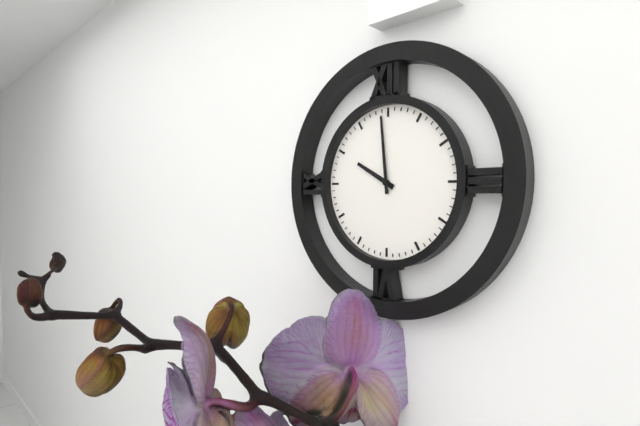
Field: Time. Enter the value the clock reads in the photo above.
9:59
